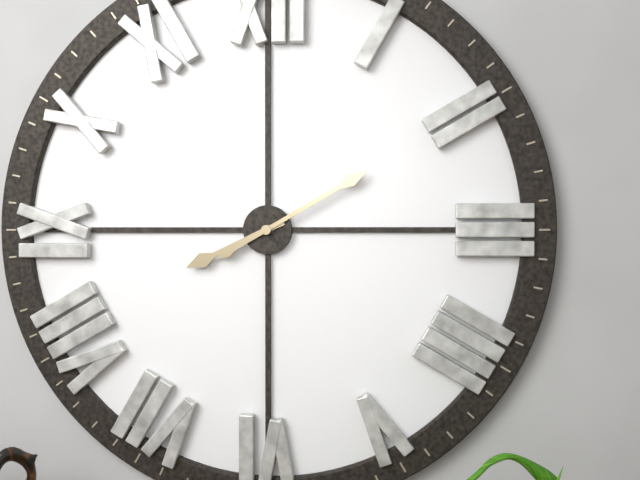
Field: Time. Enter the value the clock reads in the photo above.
8:10
